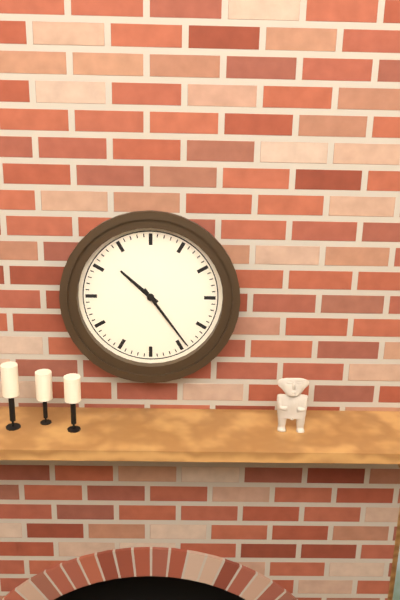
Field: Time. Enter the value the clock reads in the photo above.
10:24
